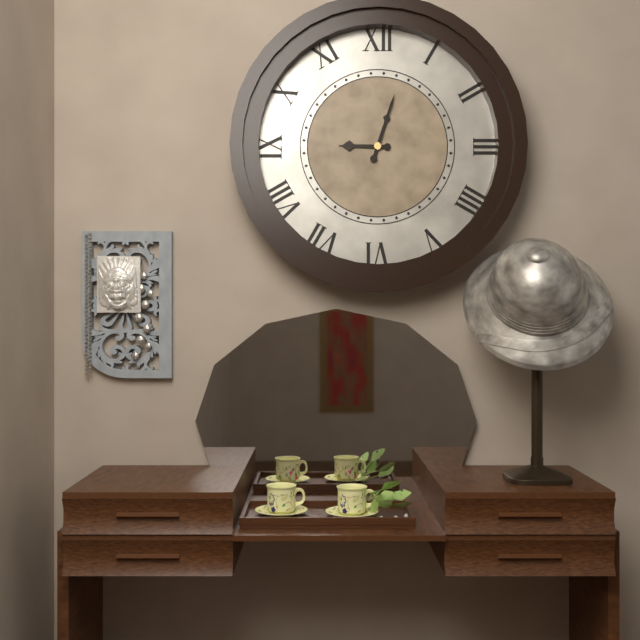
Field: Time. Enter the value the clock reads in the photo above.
9:03
